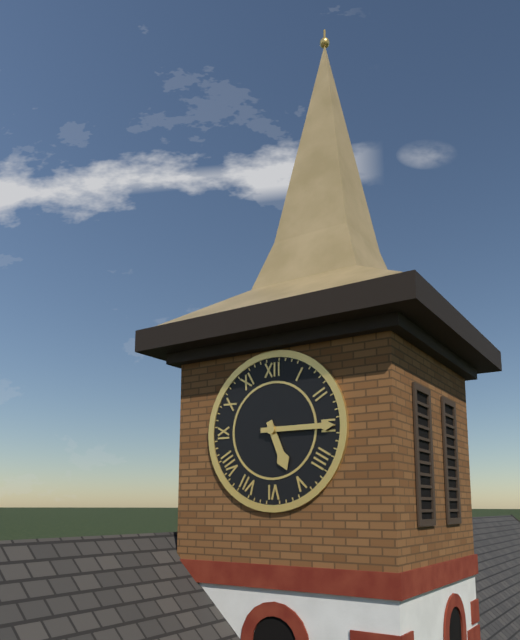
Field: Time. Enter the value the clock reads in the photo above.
5:15
